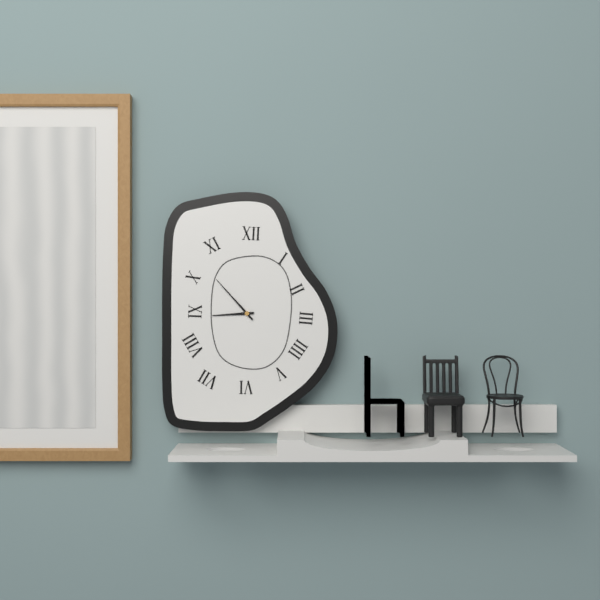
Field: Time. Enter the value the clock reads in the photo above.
8:53
